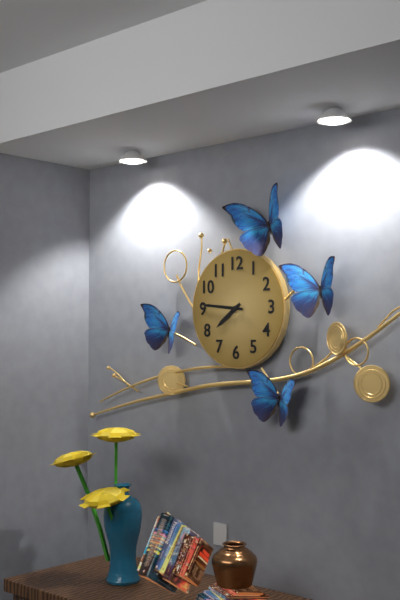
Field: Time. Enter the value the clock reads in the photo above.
7:46
